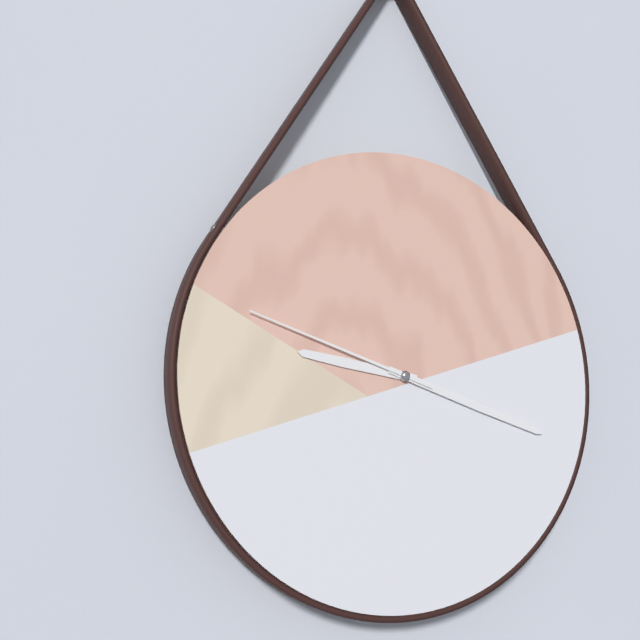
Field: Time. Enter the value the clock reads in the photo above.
9:18:48
